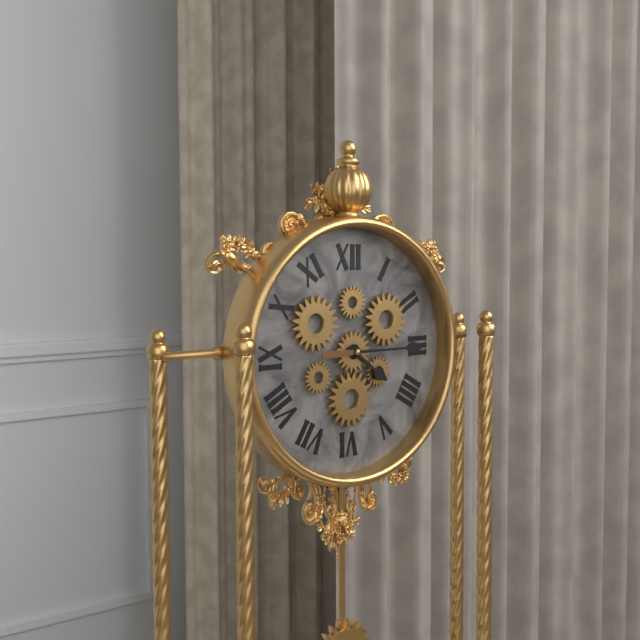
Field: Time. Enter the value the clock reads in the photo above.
4:15
